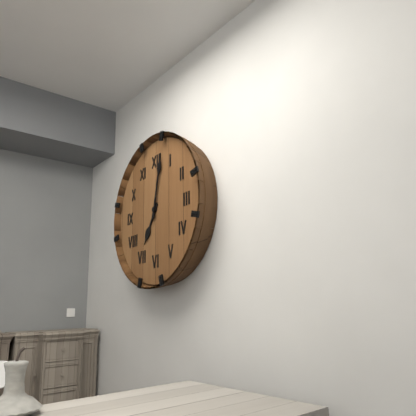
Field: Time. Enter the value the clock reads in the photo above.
7:02
